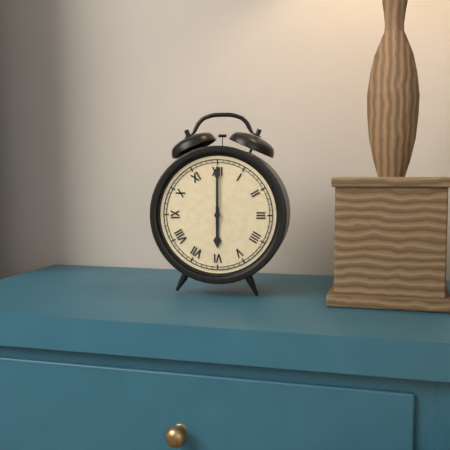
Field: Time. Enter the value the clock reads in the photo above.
6:00
